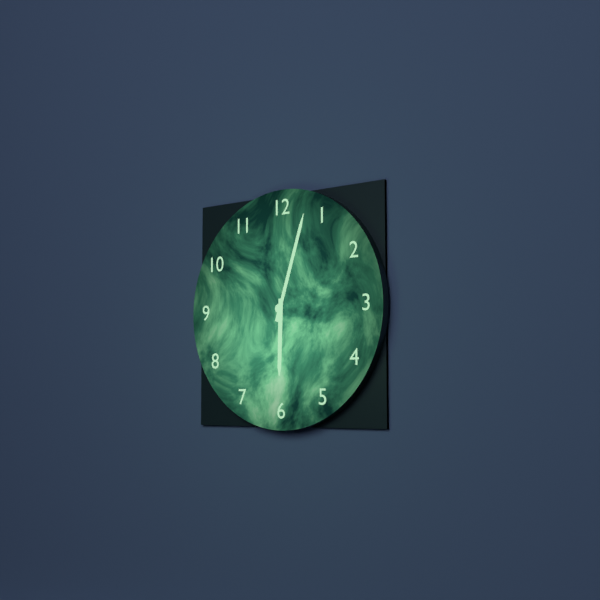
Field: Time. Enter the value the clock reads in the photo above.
6:03
